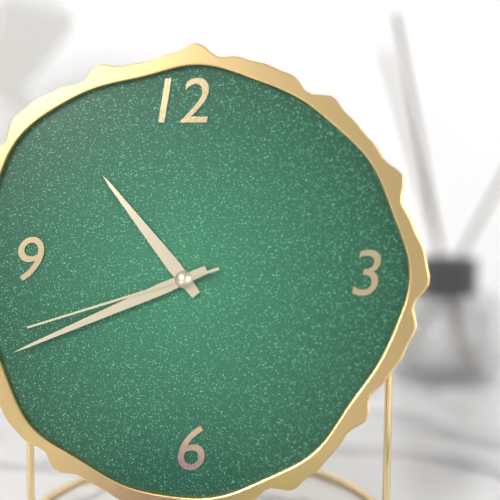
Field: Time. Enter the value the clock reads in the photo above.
10:41:42
